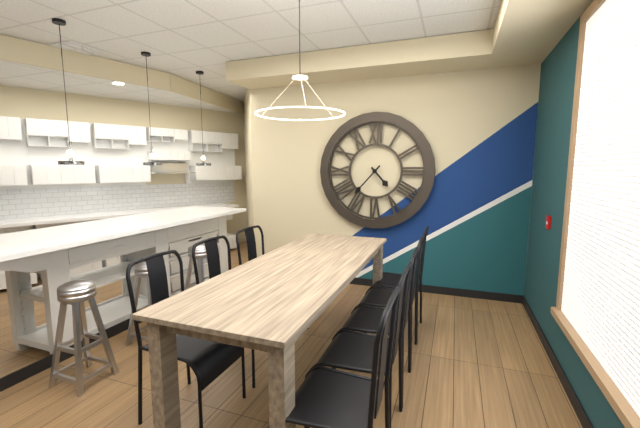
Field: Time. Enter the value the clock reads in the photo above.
4:37
